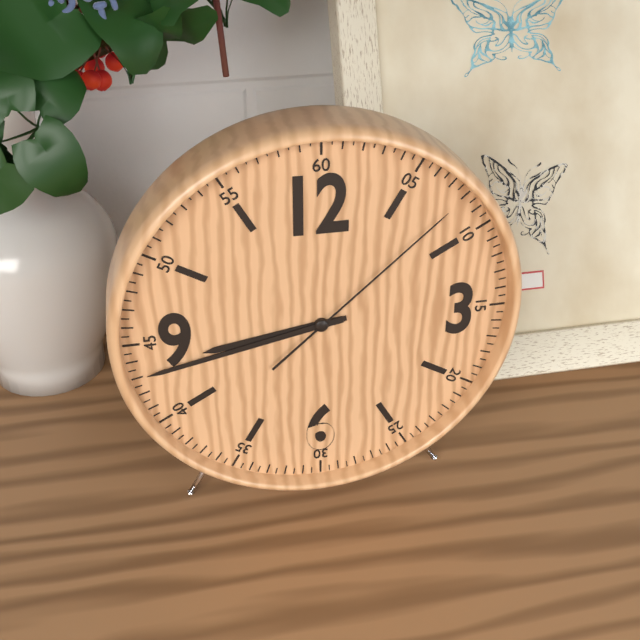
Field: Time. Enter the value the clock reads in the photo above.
8:43:08
